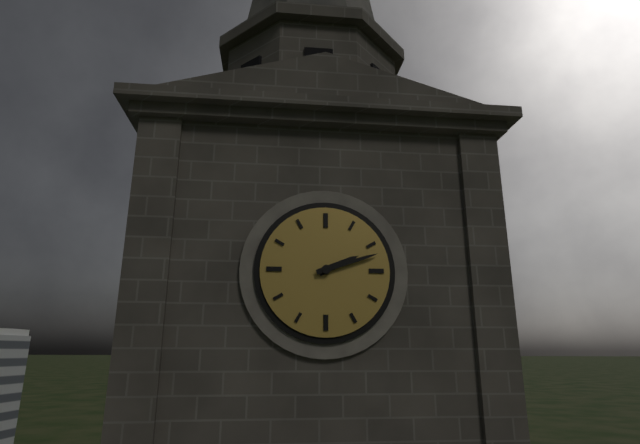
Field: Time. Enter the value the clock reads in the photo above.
2:12
